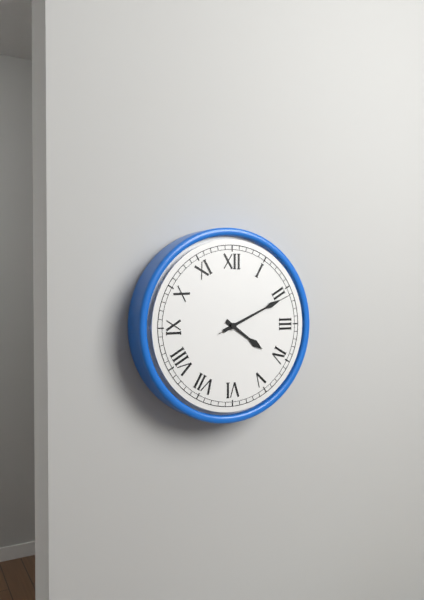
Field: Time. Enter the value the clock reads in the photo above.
4:11:11
